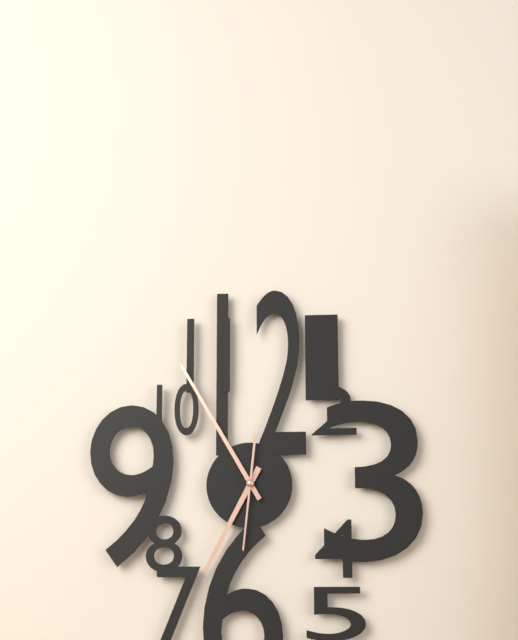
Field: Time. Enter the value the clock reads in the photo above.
6:55:31
